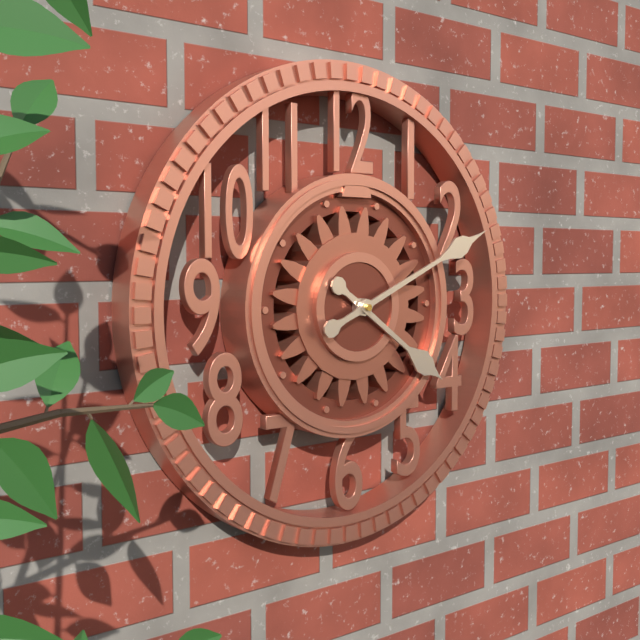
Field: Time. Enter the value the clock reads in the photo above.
4:11
